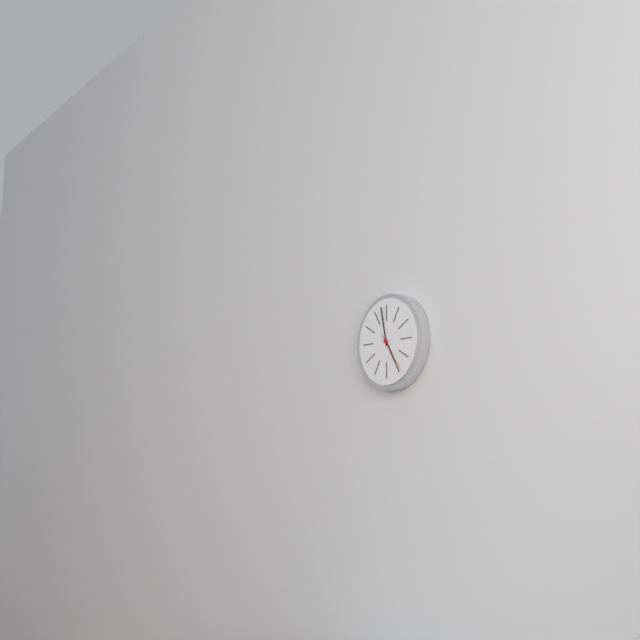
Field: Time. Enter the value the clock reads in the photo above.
4:58
